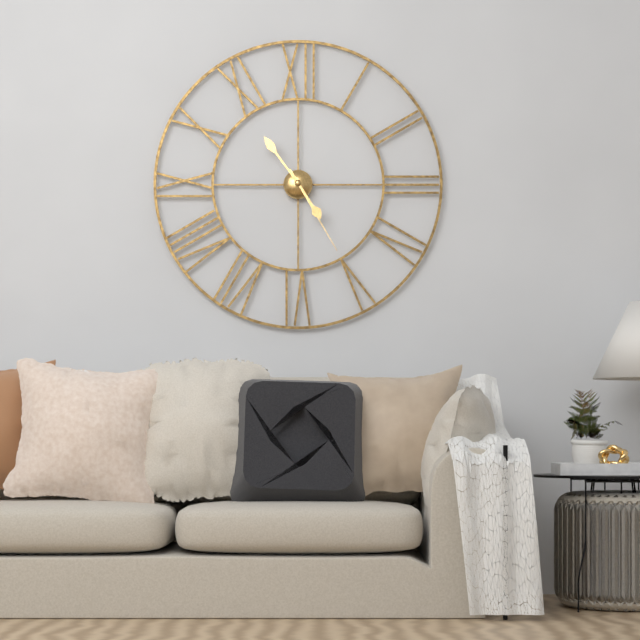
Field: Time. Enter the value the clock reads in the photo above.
4:54:25
